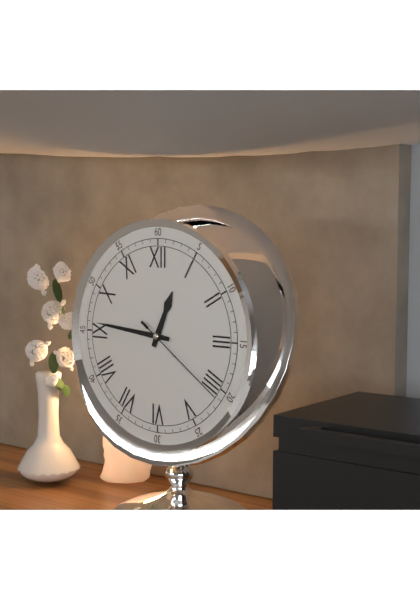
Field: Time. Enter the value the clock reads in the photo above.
12:46:21
